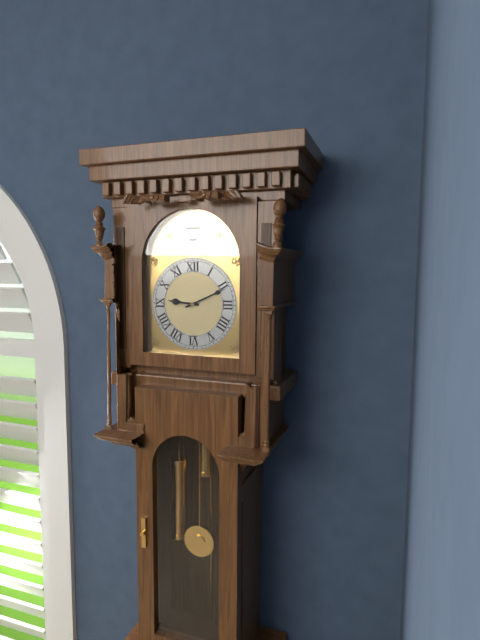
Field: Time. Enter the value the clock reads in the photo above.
9:11
